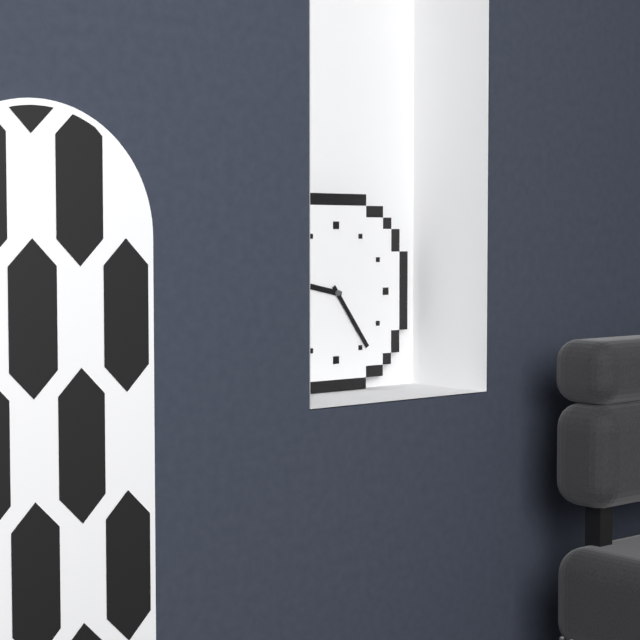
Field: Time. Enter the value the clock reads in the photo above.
9:24
